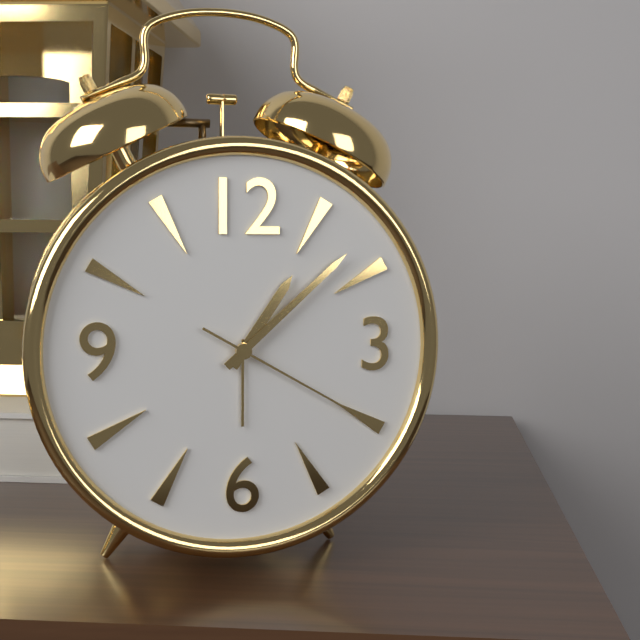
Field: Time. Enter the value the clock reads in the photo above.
1:08:20
